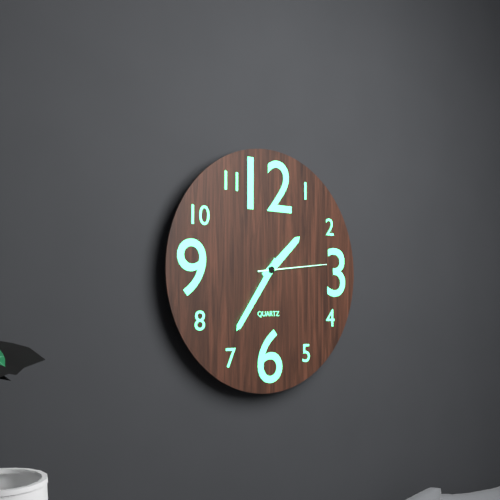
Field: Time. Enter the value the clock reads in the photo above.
1:36:14
